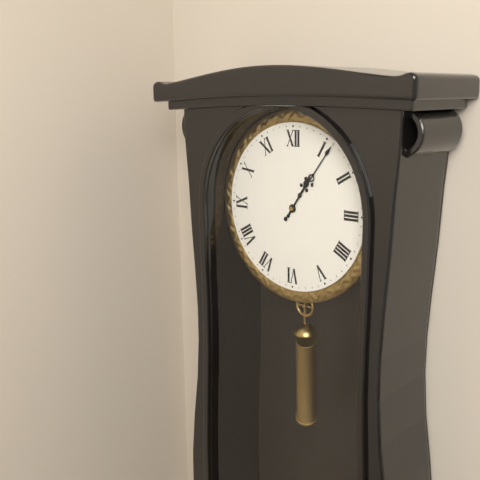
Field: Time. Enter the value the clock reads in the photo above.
1:06
